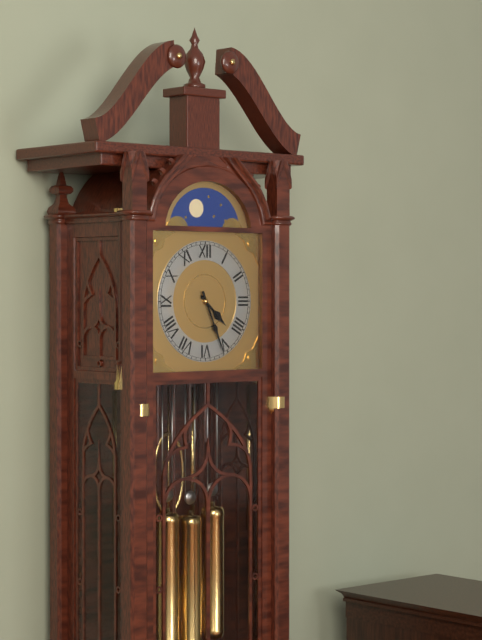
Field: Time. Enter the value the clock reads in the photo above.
4:26
